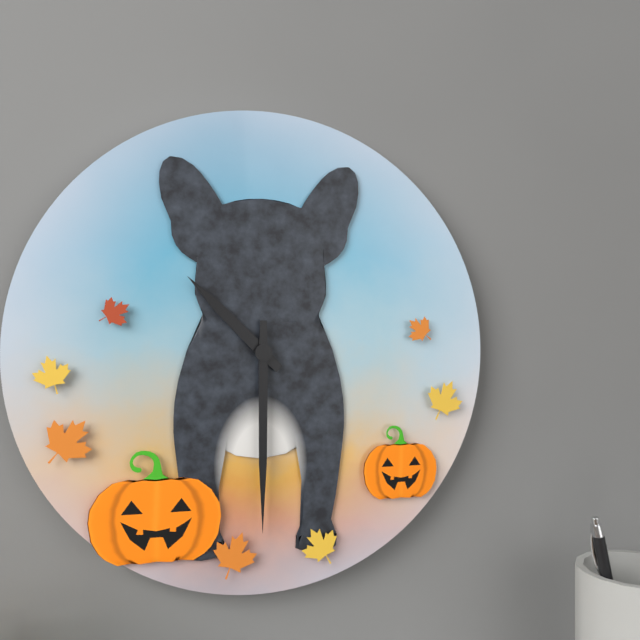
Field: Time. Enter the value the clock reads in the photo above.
10:30
